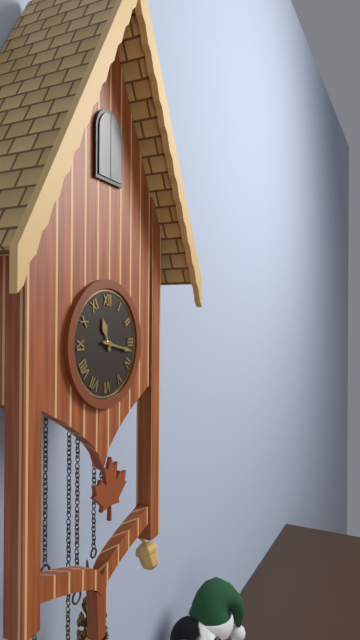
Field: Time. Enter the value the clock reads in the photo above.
11:17
